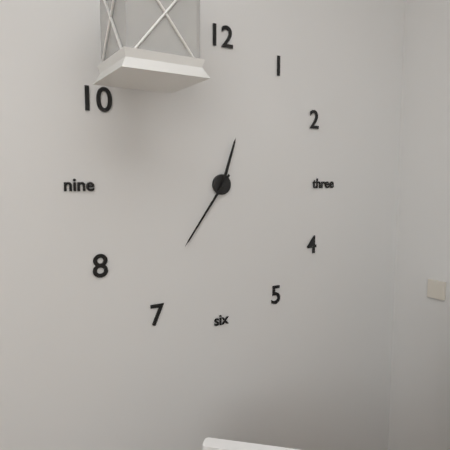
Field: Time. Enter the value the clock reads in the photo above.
12:36
